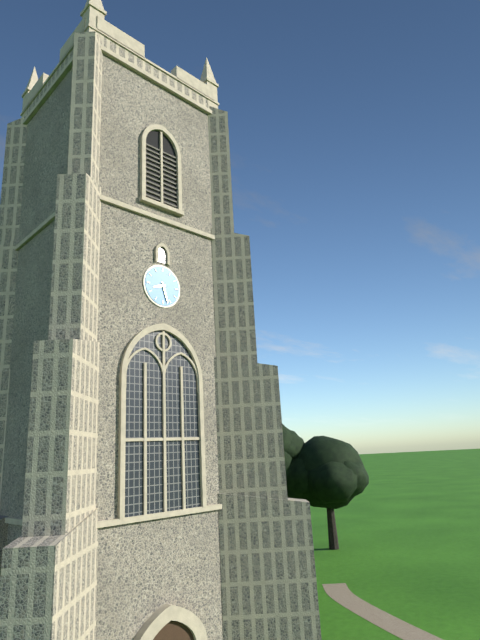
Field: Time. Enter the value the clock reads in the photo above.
8:27
